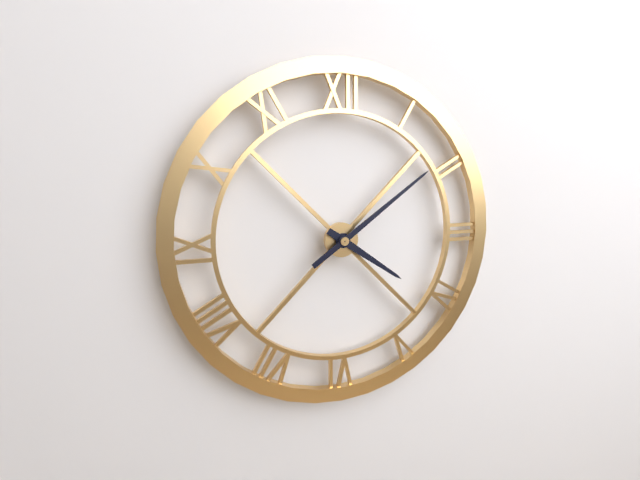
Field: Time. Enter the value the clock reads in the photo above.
4:09
